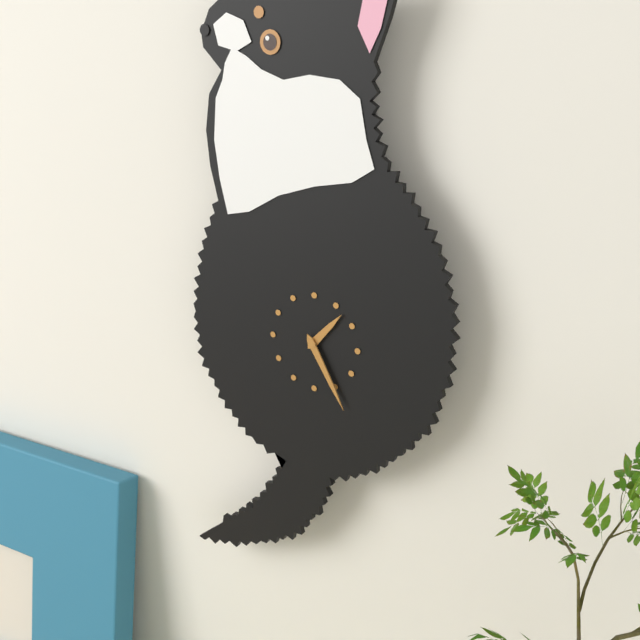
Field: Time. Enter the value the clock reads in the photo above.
1:25
